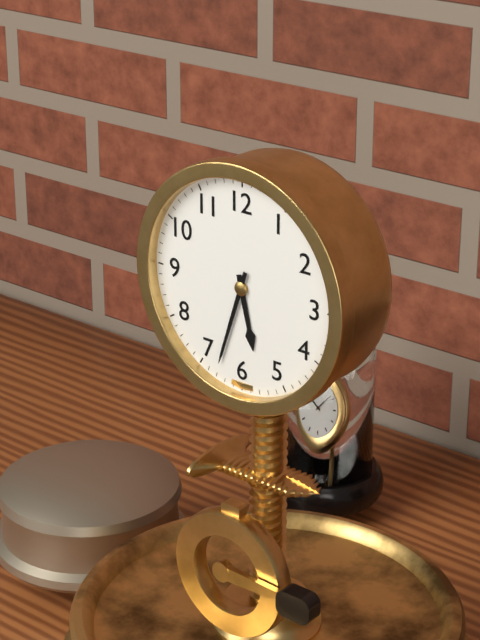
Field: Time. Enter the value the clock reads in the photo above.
5:33
